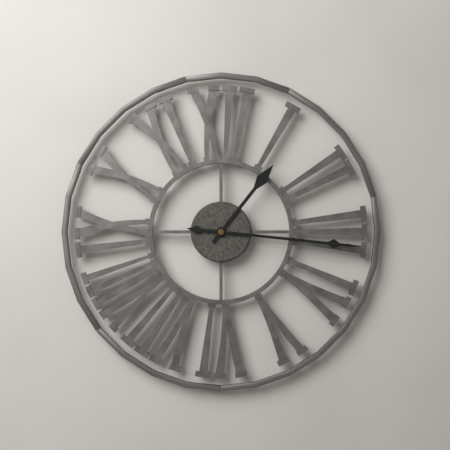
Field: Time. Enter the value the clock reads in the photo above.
1:16
